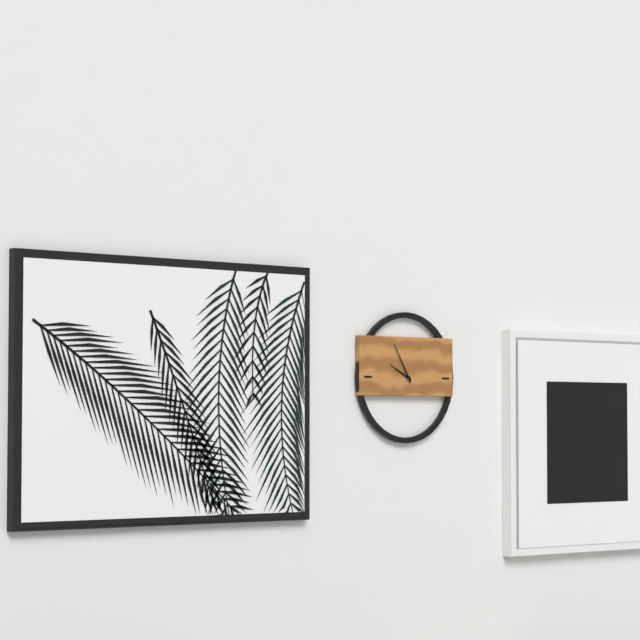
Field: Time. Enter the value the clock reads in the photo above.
9:55
